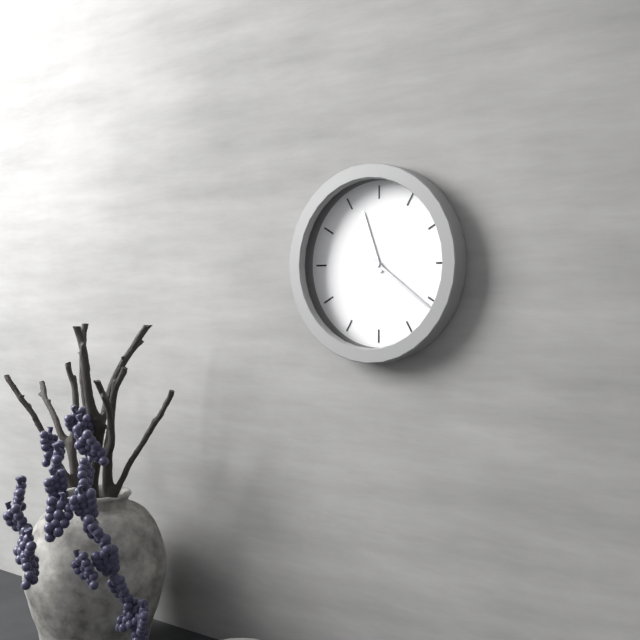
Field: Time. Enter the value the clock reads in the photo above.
11:21
